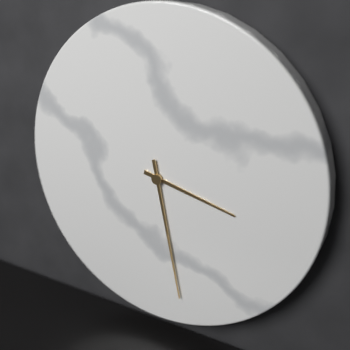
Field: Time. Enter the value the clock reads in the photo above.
3:28
